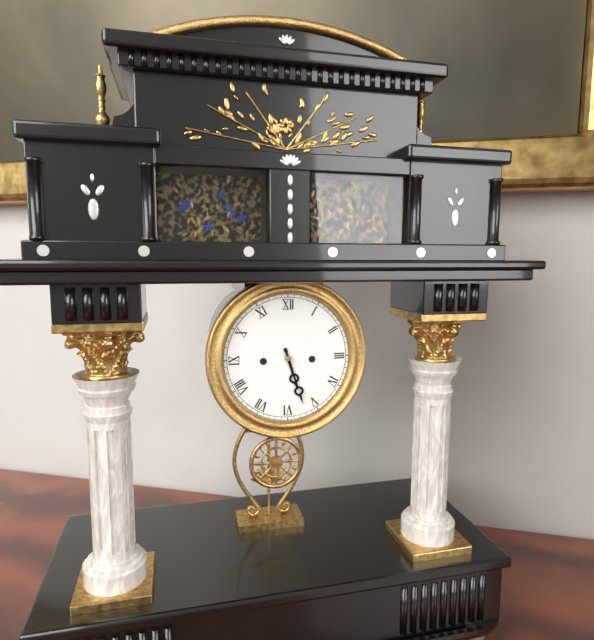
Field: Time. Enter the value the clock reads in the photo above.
5:27
